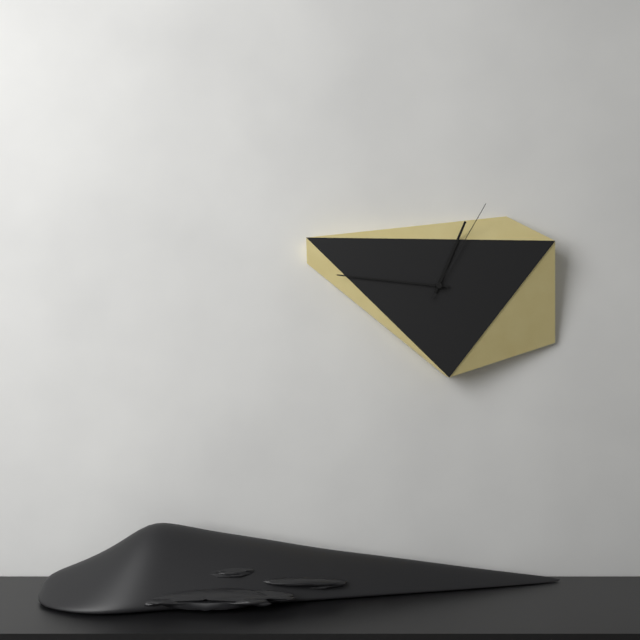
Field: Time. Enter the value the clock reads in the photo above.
12:46:05
